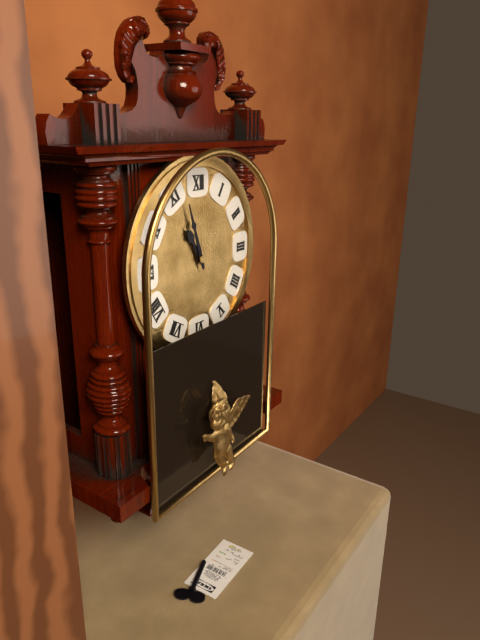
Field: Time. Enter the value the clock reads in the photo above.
10:57
